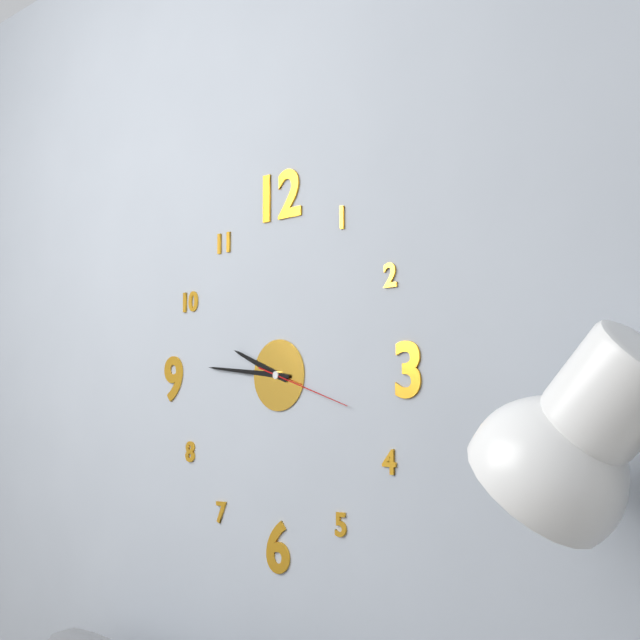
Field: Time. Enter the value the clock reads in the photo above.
9:46:18
